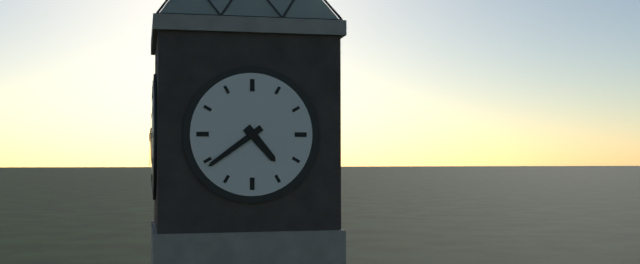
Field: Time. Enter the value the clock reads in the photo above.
4:39
